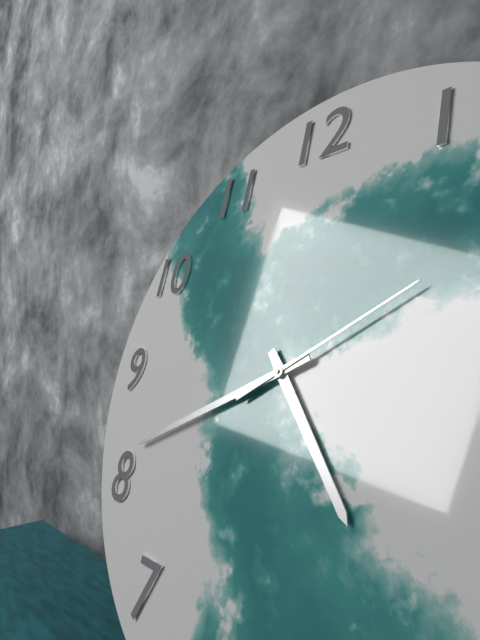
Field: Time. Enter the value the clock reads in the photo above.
4:41:10
